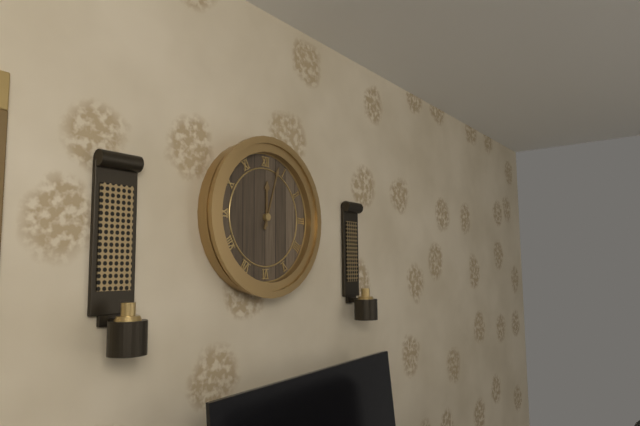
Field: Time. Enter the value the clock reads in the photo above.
12:03
